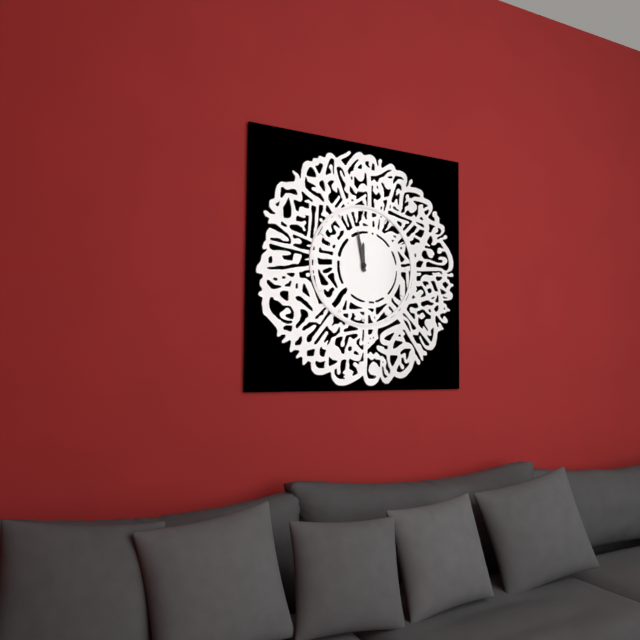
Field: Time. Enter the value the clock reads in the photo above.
11:58
